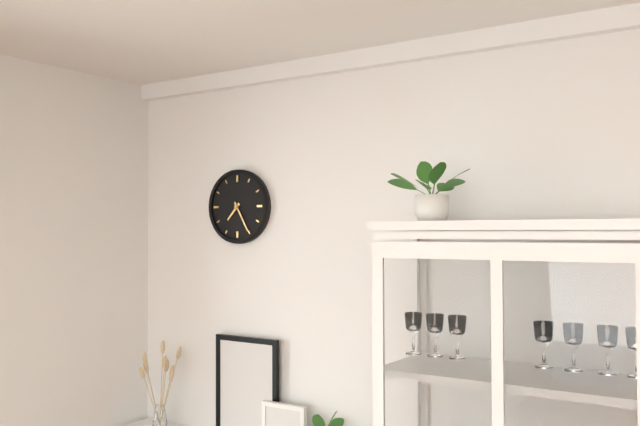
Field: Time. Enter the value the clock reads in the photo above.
7:25
